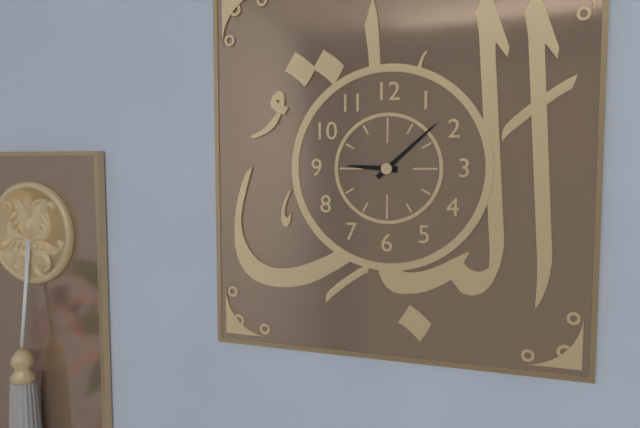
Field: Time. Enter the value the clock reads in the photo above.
9:08
